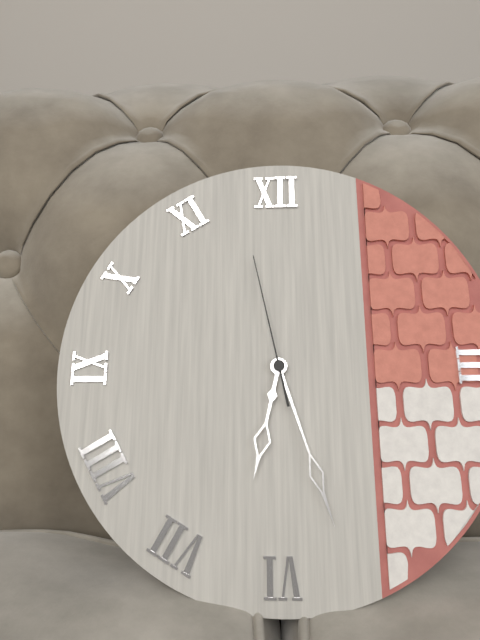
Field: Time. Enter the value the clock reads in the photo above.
6:27:58
